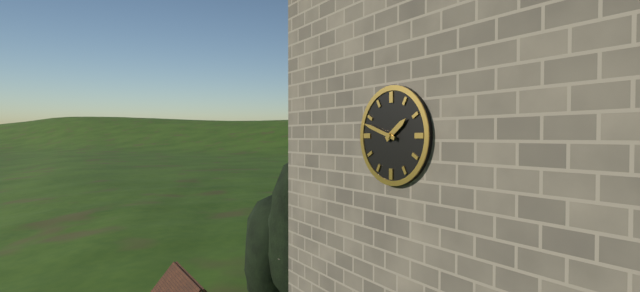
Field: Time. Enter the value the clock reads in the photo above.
1:48
